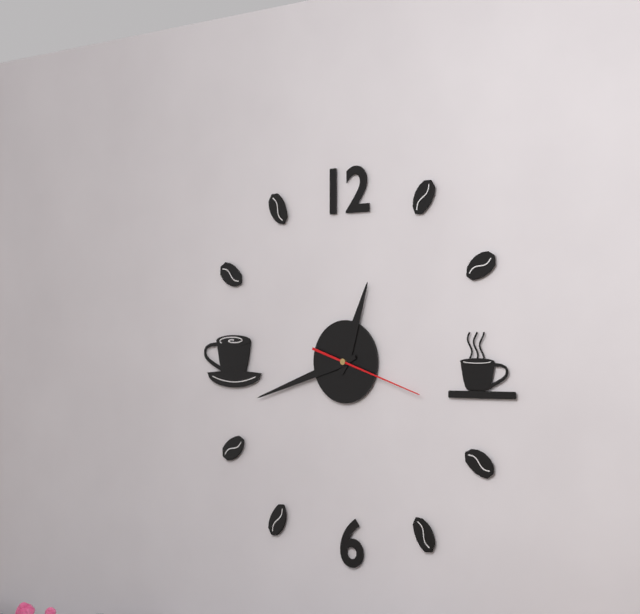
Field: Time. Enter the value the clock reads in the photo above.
12:42:18
